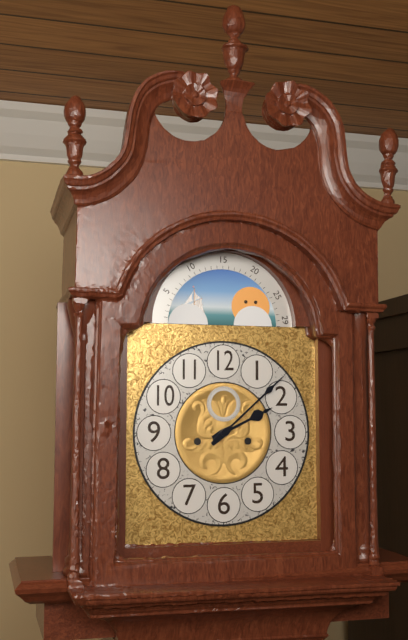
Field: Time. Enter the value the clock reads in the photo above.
2:08
